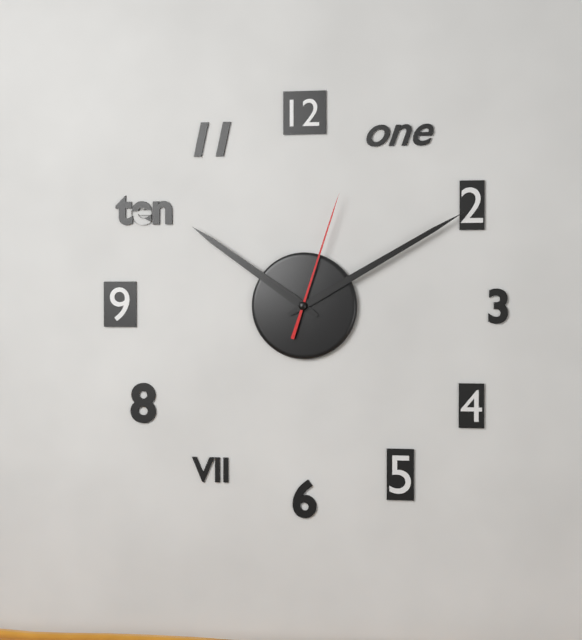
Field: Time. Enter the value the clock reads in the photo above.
10:10:03
